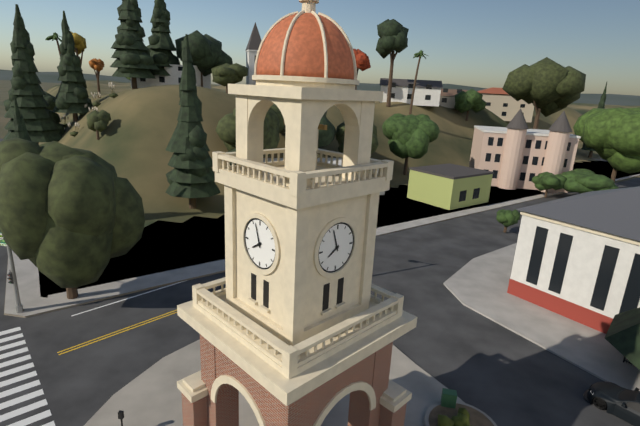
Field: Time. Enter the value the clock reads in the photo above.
7:57
